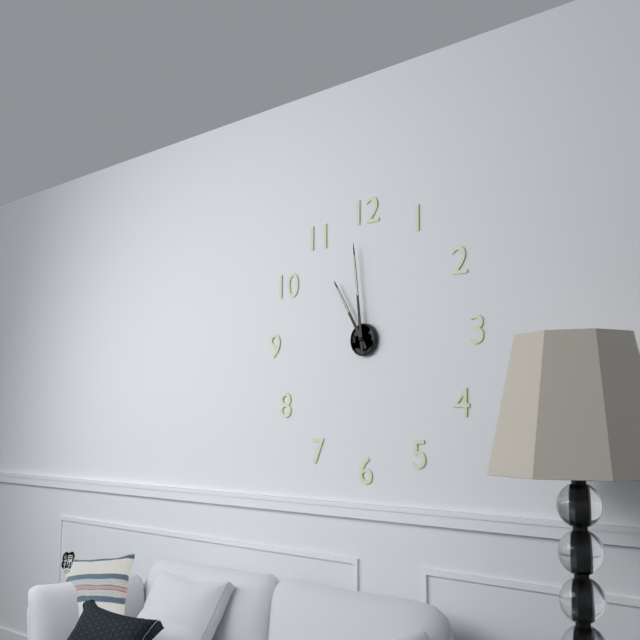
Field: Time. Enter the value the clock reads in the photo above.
10:59
